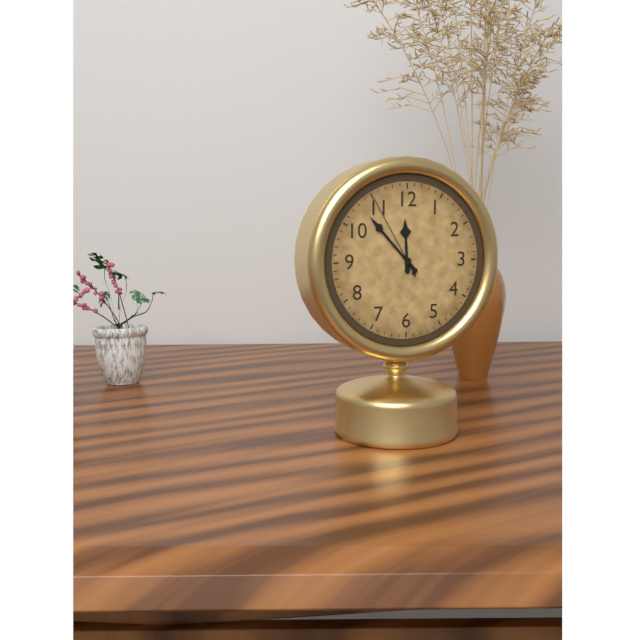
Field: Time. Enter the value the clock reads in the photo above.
11:53:55
